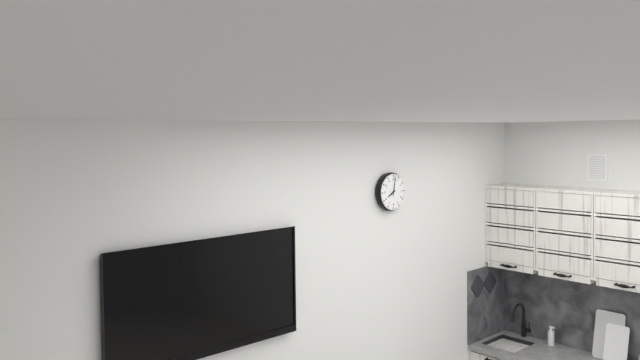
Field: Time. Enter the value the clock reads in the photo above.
8:02
